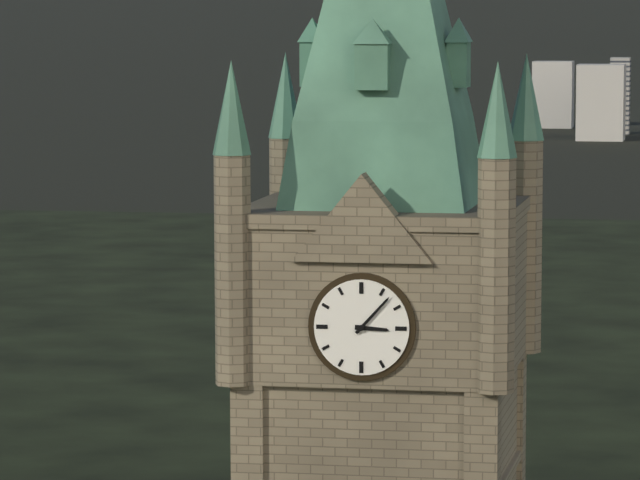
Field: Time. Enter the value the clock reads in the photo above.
3:07
